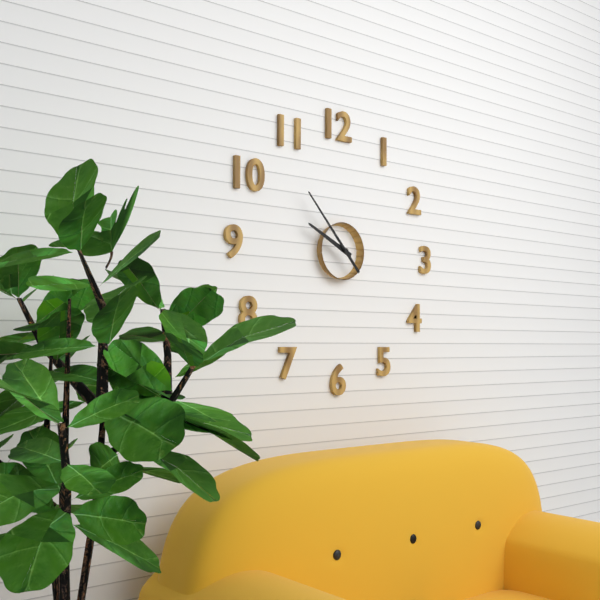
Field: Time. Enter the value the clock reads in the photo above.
9:53
